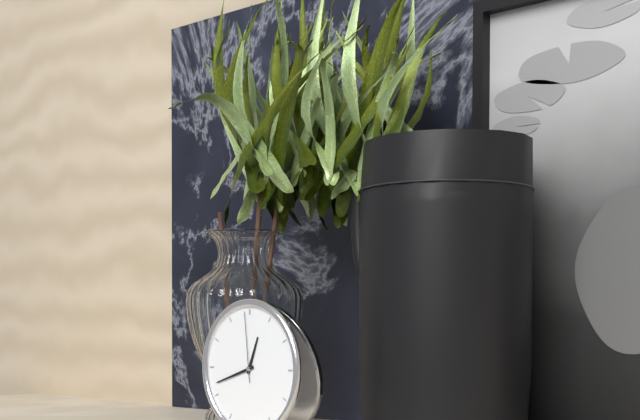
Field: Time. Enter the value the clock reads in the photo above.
12:42:59
